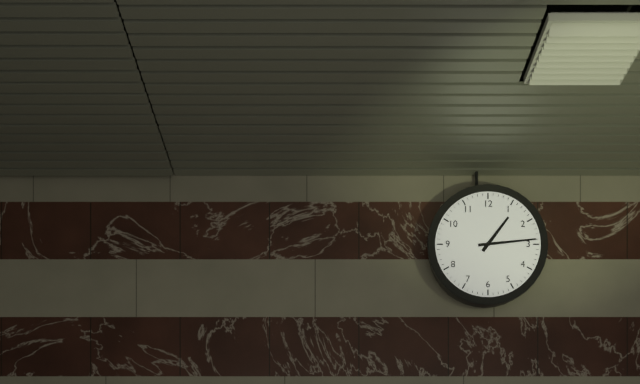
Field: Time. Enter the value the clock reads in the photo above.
1:14
